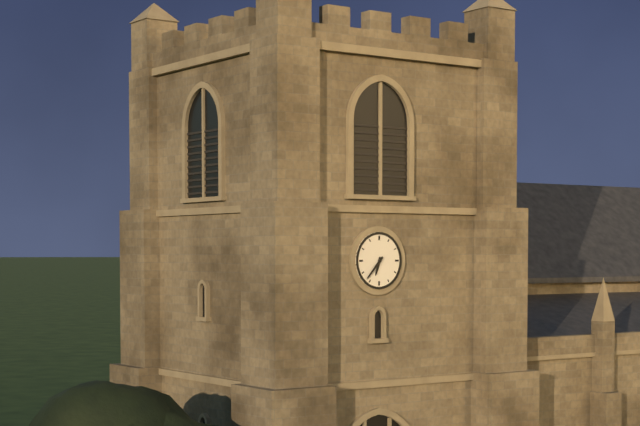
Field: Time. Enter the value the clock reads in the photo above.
6:37
